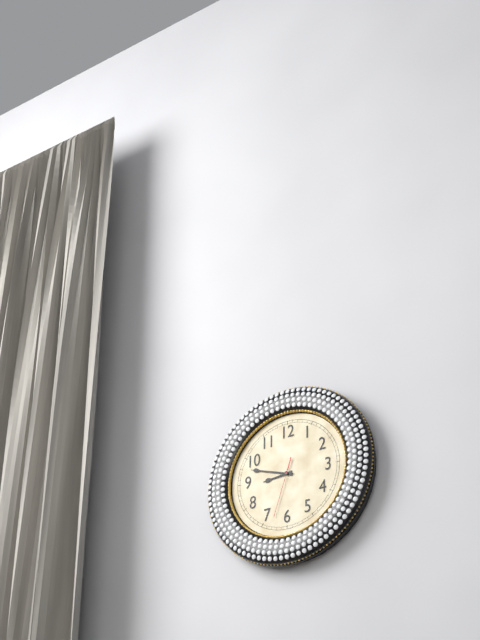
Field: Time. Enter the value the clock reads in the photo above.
8:48:33
